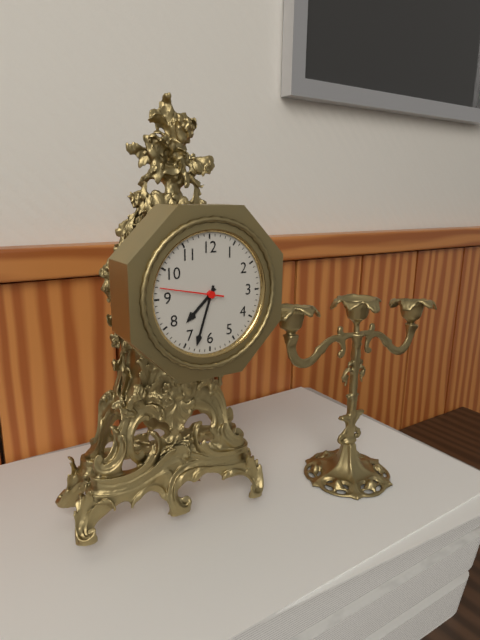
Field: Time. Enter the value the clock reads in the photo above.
7:33:47
